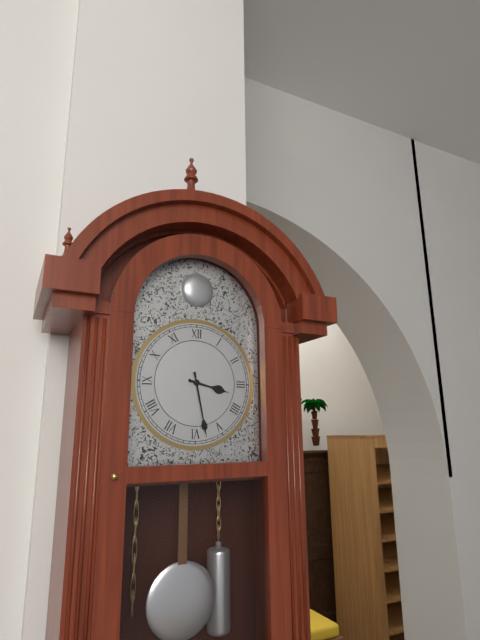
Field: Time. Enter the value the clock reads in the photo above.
3:28
